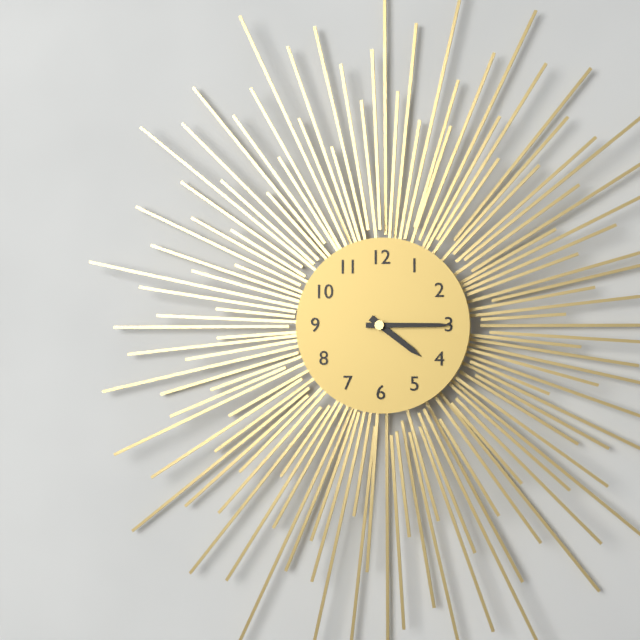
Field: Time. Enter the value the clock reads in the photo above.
4:15
